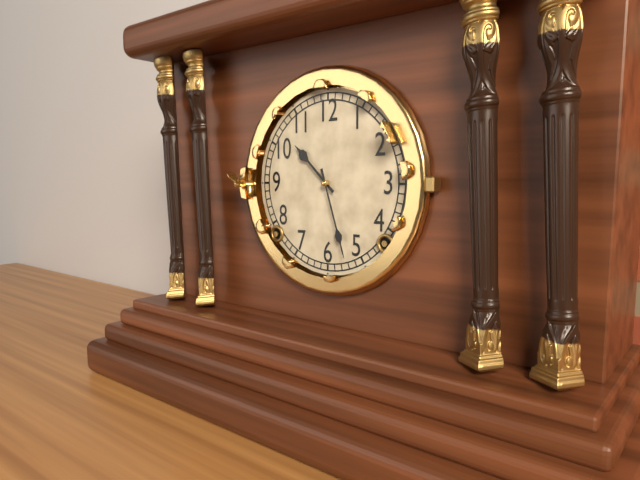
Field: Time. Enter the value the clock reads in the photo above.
10:27
